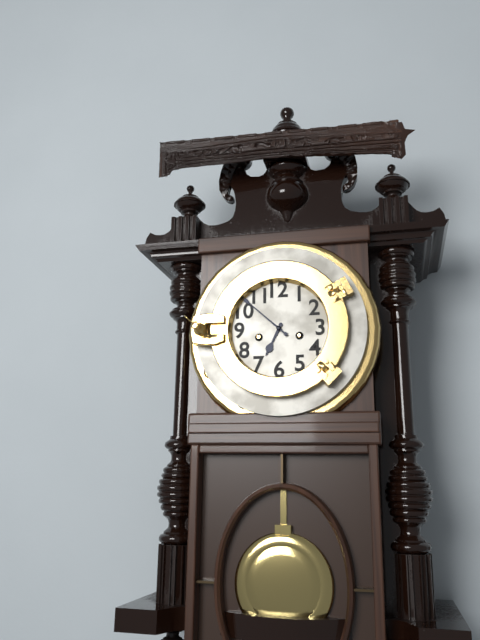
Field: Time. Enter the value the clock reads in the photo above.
6:52
